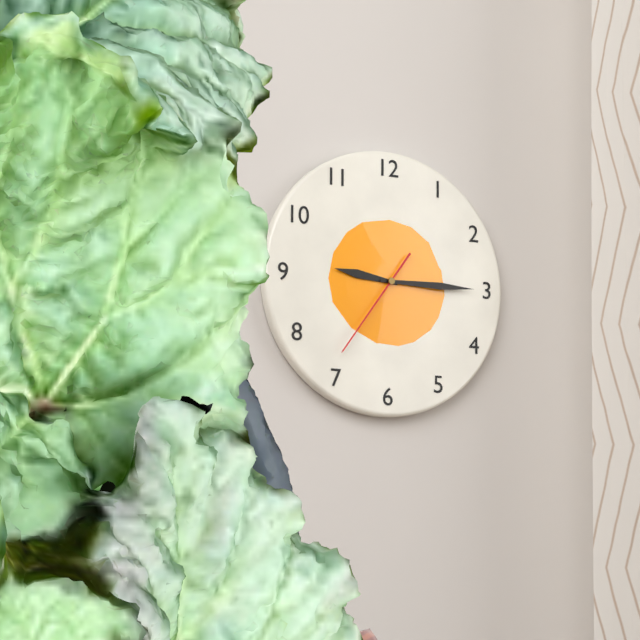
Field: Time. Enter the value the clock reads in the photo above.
9:15:36
